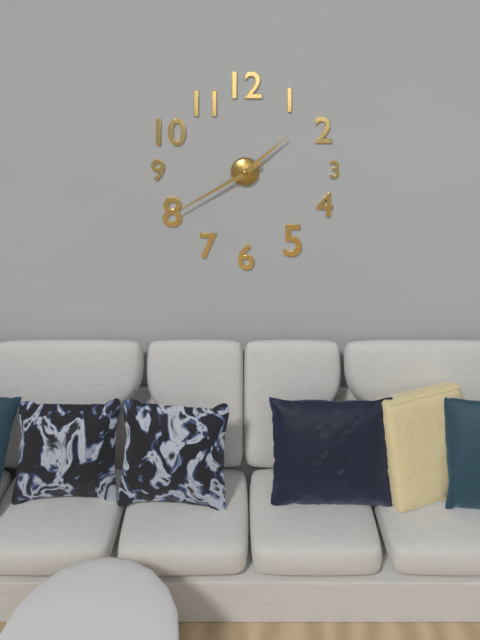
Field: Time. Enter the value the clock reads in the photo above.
1:40
